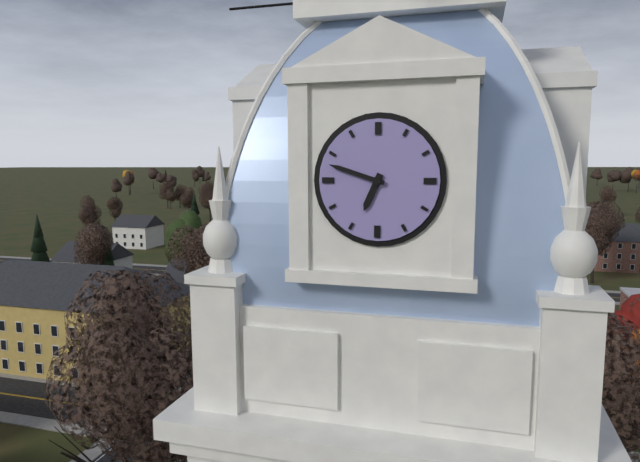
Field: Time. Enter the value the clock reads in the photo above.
6:48
